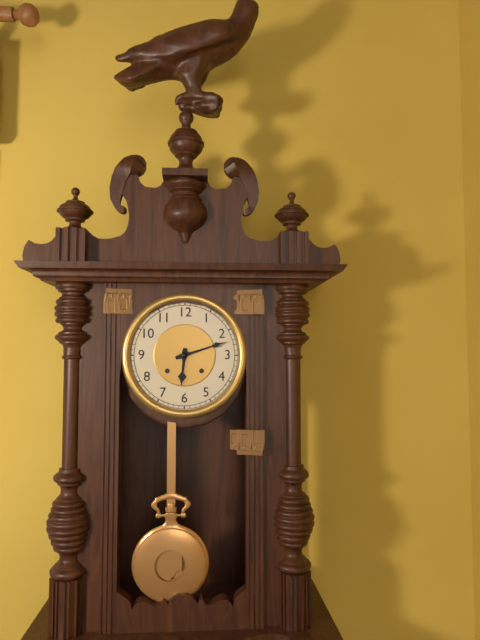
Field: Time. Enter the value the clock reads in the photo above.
6:12
